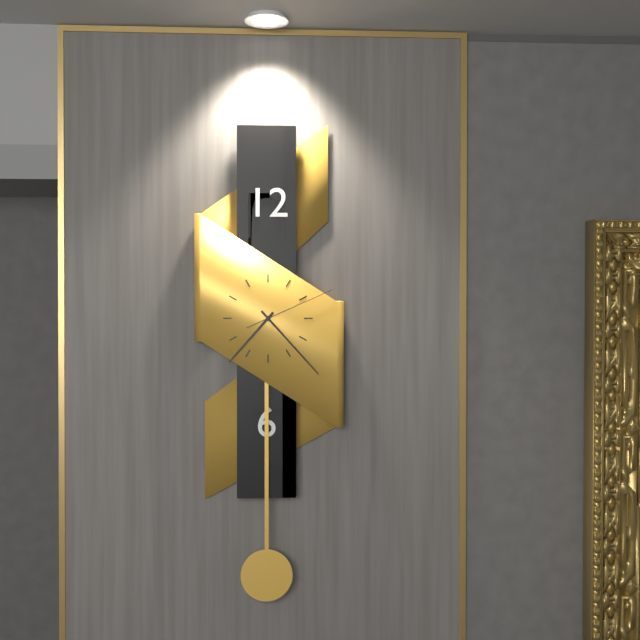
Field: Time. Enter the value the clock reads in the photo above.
7:23:11
